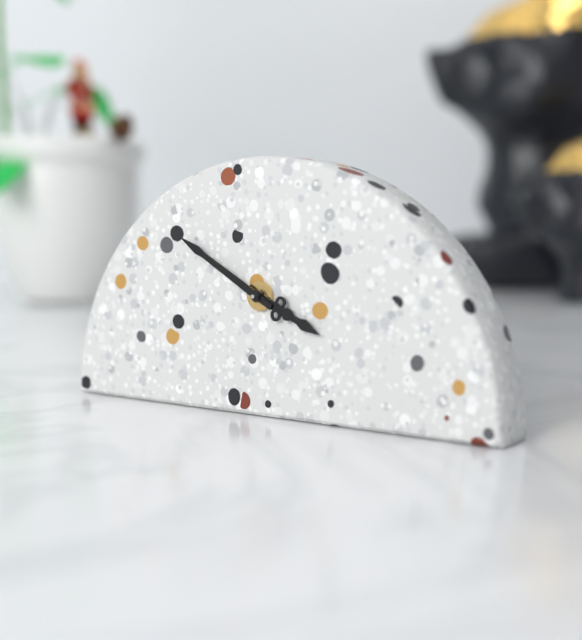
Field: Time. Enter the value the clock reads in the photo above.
3:50
